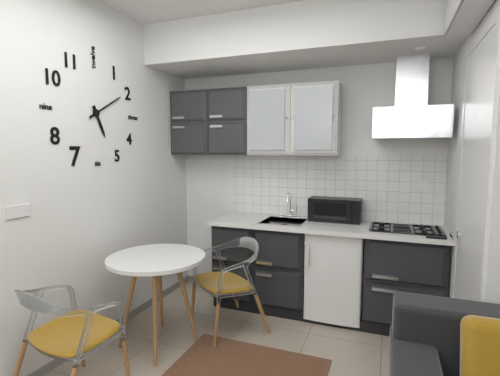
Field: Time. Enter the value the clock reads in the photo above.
5:10
